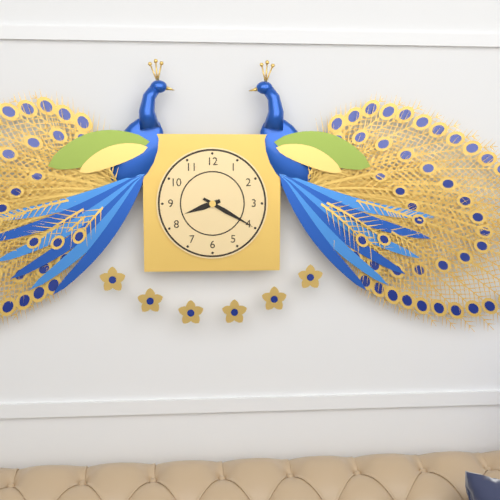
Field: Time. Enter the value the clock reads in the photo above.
8:20
